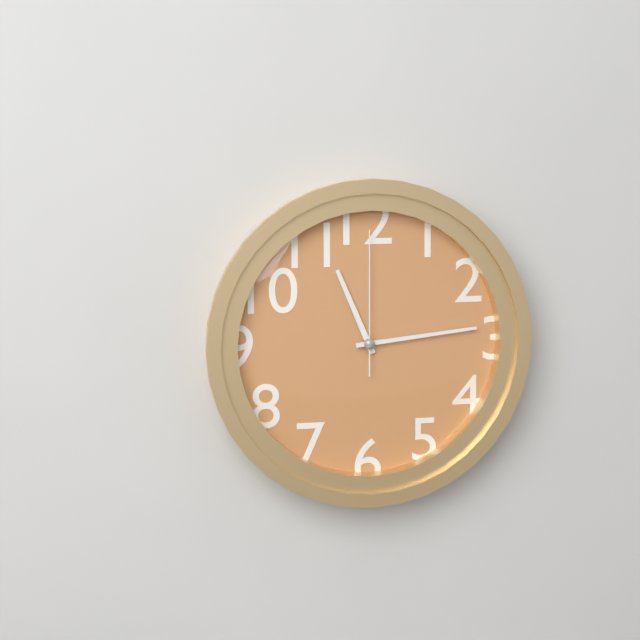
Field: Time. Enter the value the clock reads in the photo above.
11:14:00
